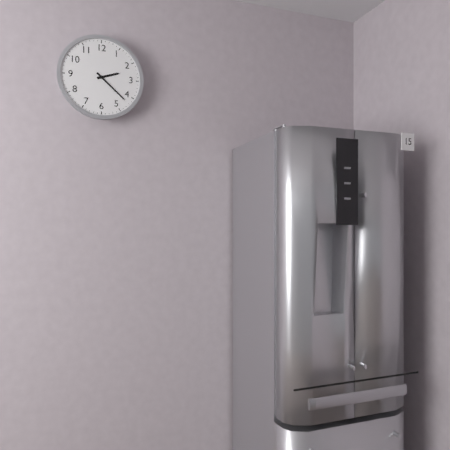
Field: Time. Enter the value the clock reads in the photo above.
2:22
